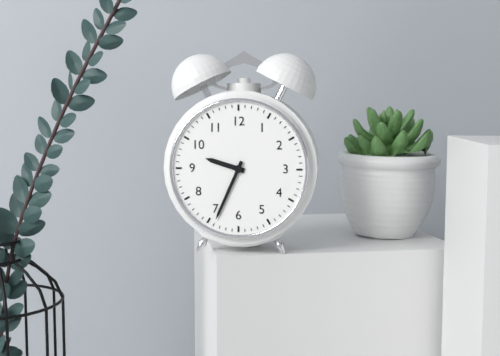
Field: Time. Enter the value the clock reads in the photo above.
9:34
